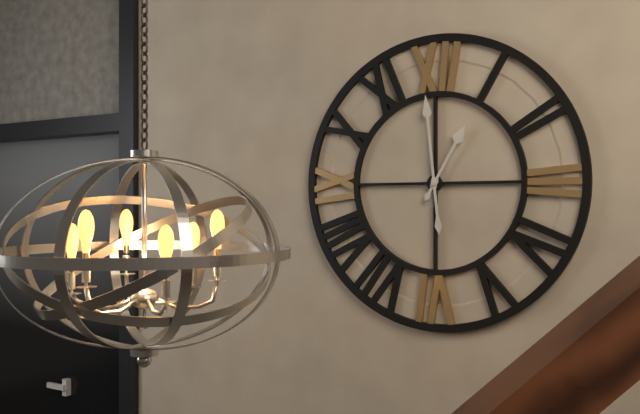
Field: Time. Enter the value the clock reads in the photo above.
12:59
